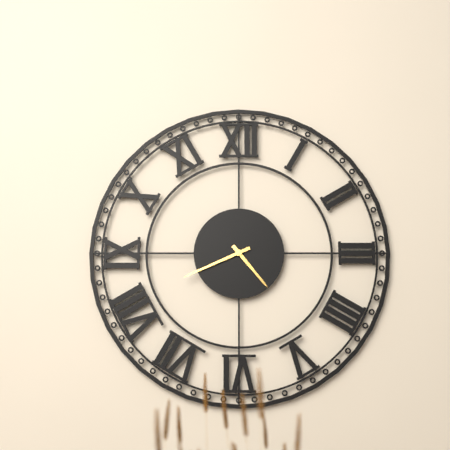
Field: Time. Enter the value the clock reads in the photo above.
4:41
